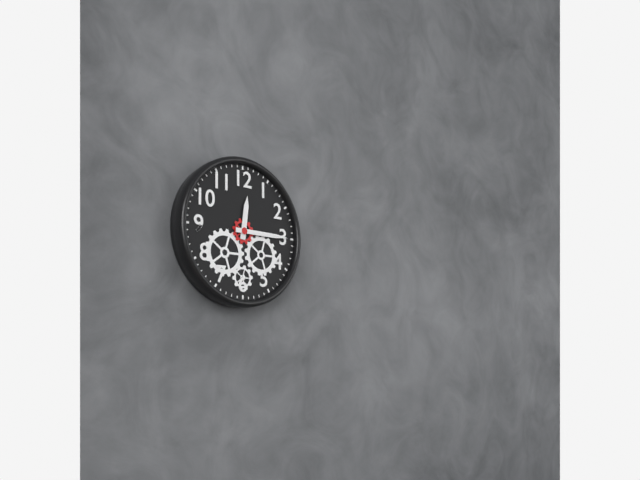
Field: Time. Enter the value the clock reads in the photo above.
12:15
